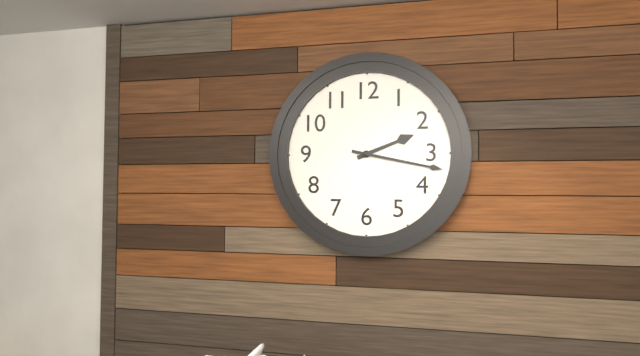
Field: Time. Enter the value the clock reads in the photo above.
2:17
